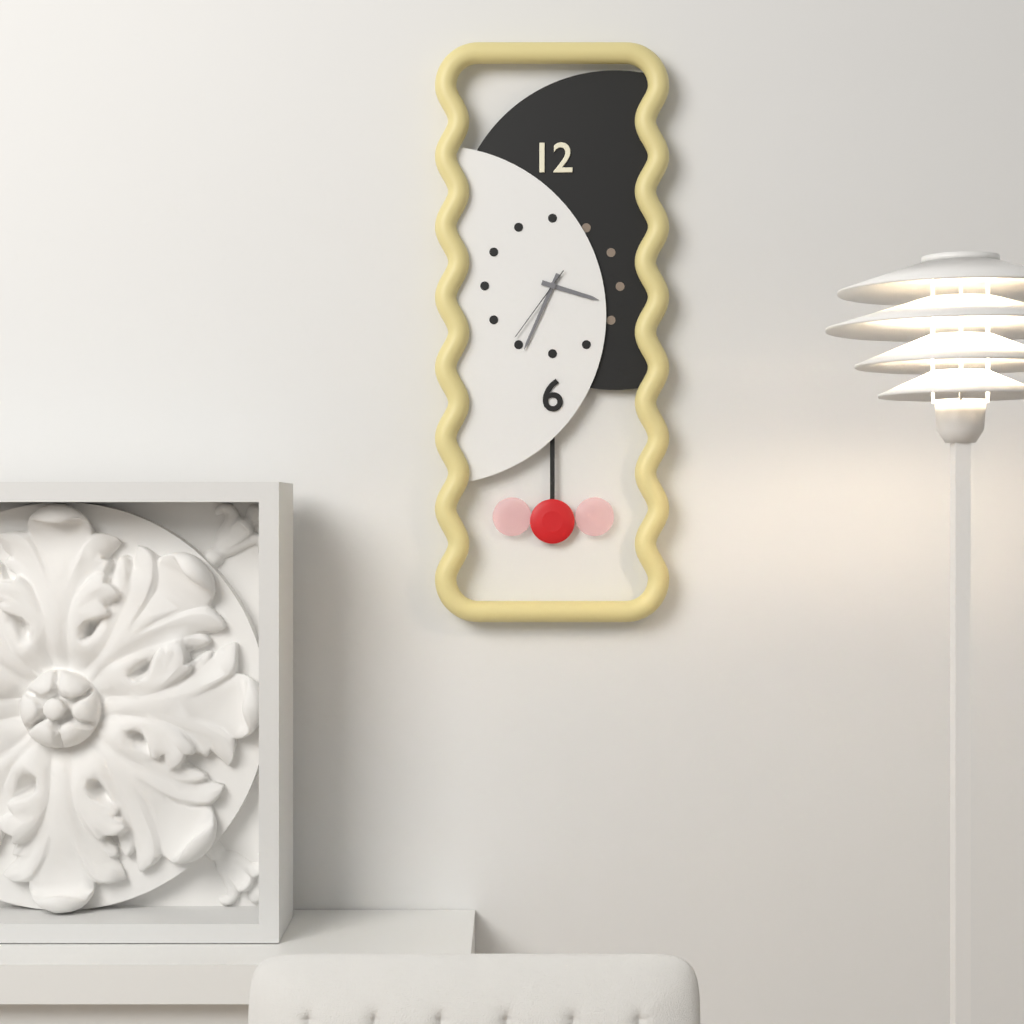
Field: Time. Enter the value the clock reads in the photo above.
3:34:36
